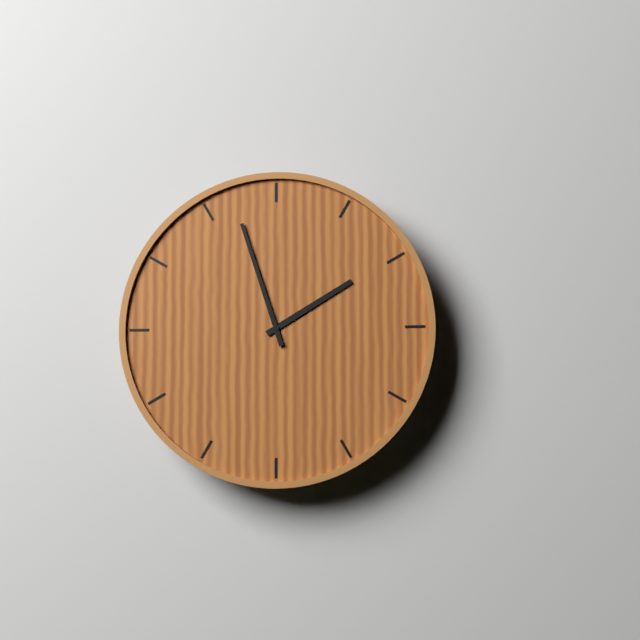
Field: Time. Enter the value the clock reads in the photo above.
1:57
